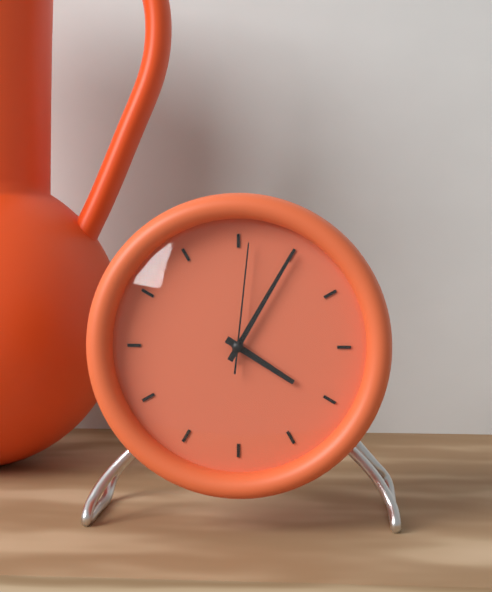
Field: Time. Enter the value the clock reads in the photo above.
4:05:01
